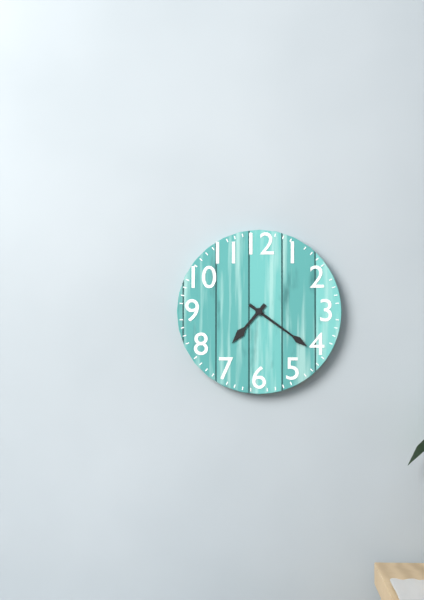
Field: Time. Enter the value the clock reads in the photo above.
7:21
